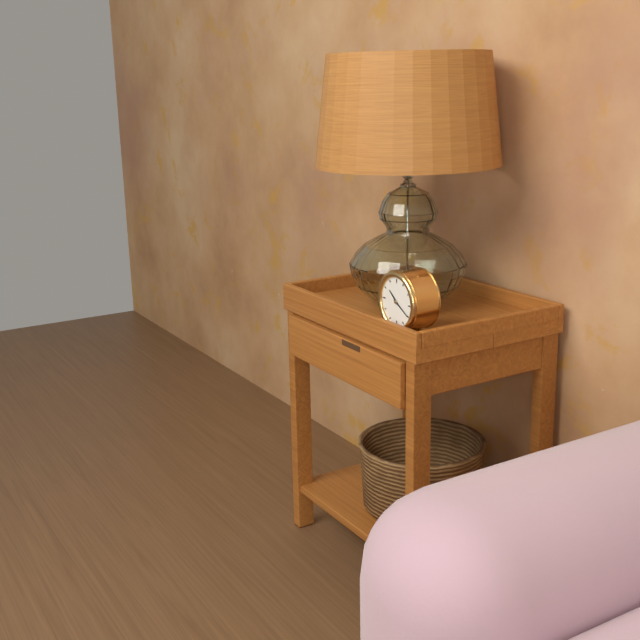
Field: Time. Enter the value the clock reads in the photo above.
10:20
